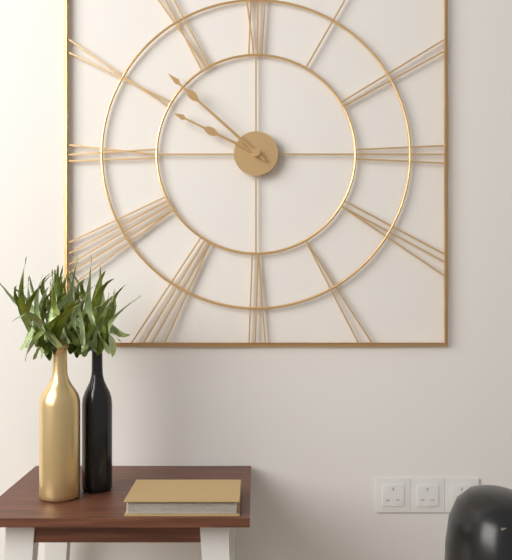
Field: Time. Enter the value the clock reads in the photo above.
9:52
